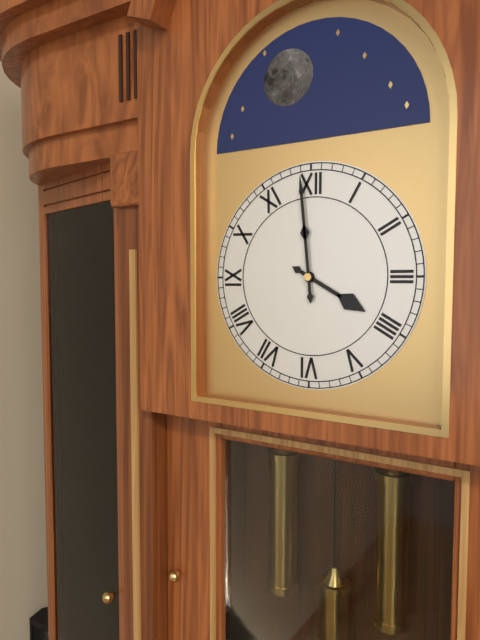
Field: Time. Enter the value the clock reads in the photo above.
3:59
